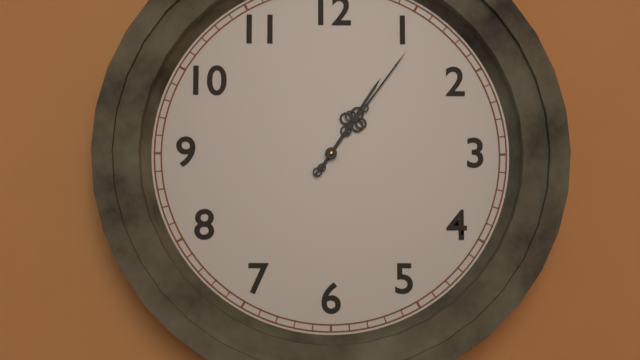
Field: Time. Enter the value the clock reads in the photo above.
1:06
